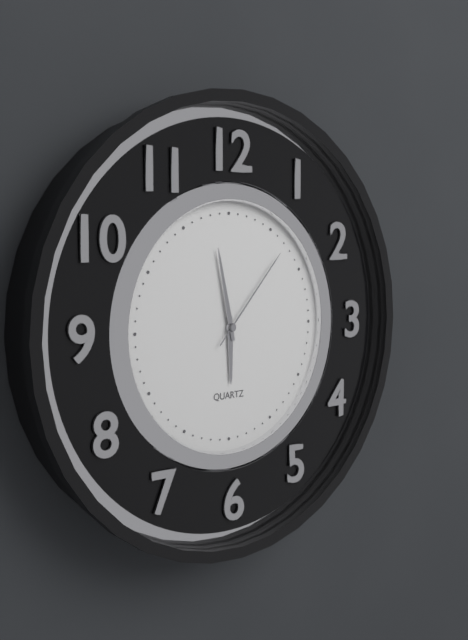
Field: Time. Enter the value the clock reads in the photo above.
5:58:07
